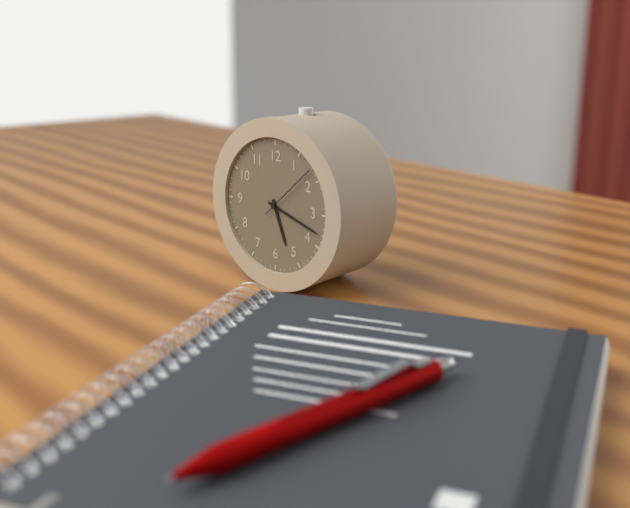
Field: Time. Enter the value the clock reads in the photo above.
5:18:08
